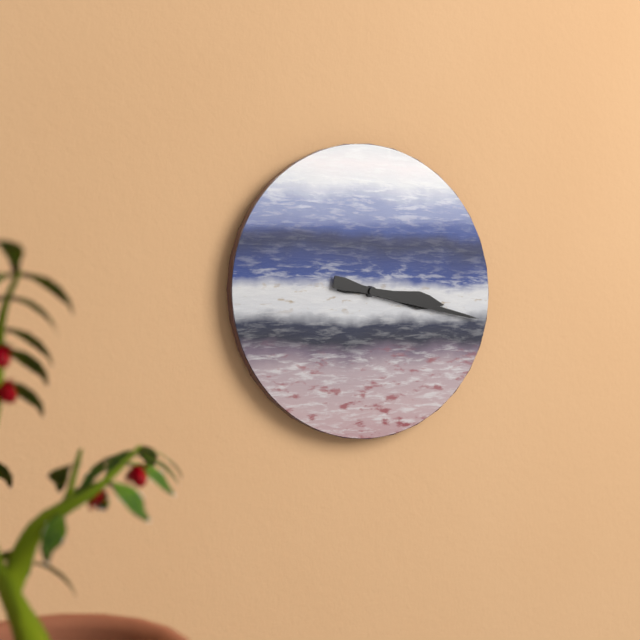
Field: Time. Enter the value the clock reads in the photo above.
3:17
